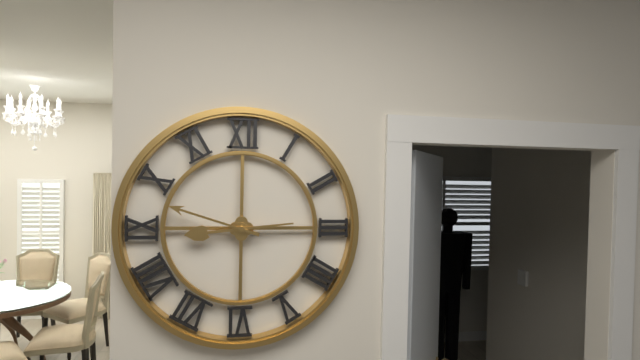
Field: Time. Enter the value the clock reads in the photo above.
8:48
